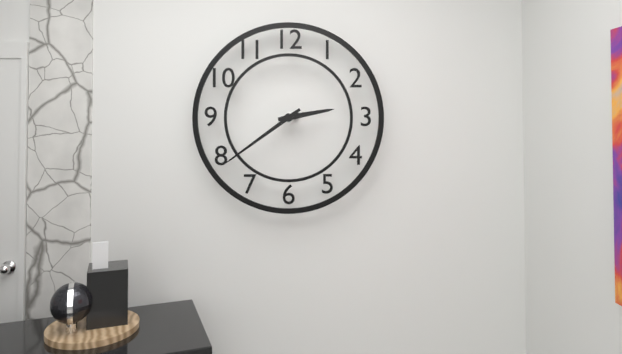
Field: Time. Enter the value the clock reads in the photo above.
2:39
